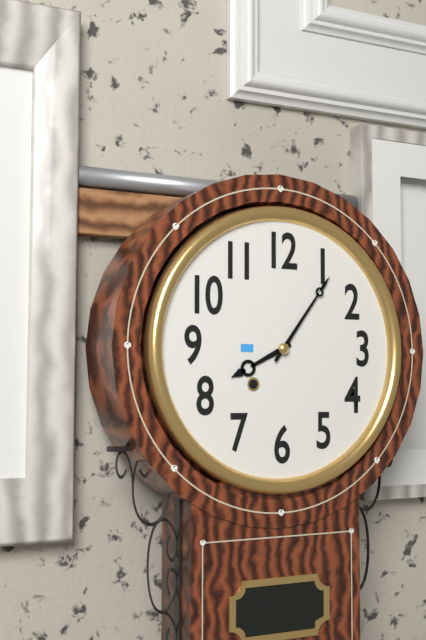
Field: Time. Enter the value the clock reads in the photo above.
8:06
